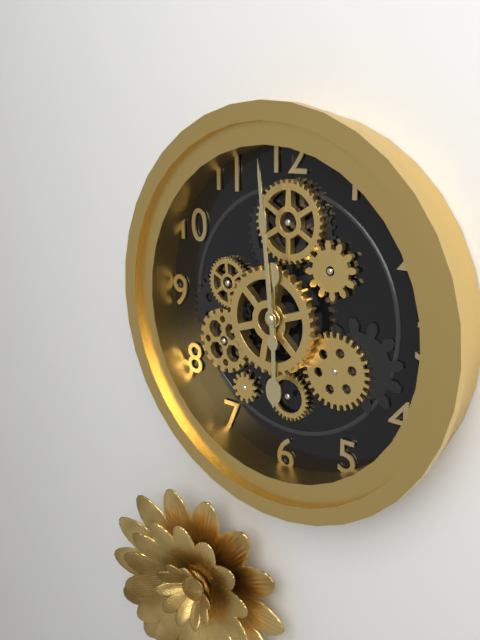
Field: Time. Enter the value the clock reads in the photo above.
5:59
